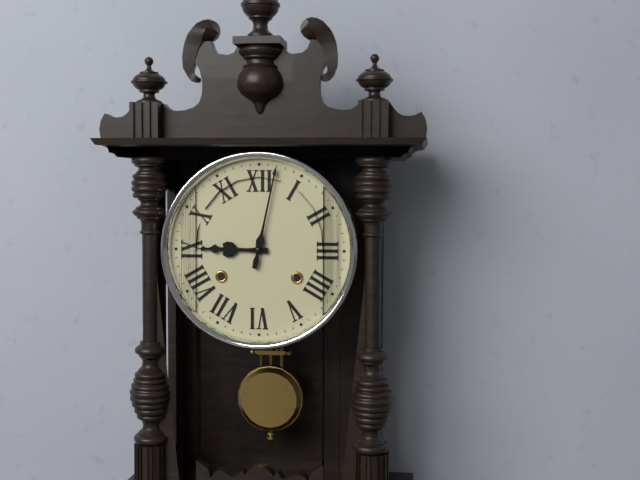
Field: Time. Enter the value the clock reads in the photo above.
9:02
